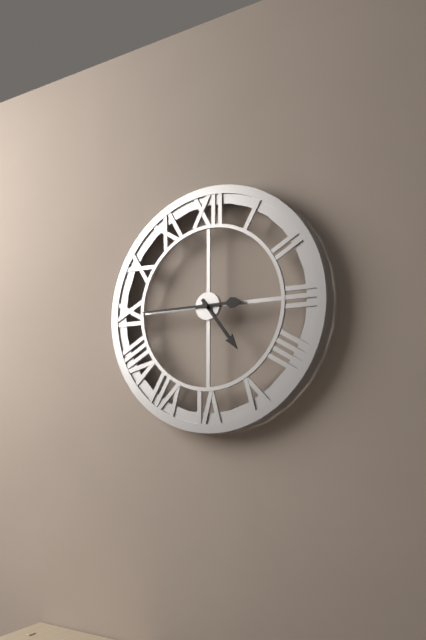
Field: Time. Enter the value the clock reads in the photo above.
4:45
